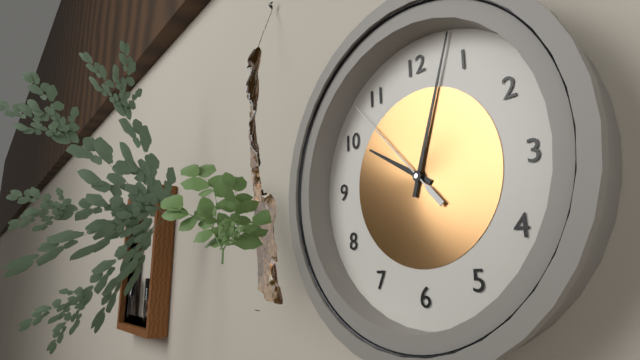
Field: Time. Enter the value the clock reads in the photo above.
10:03:53
